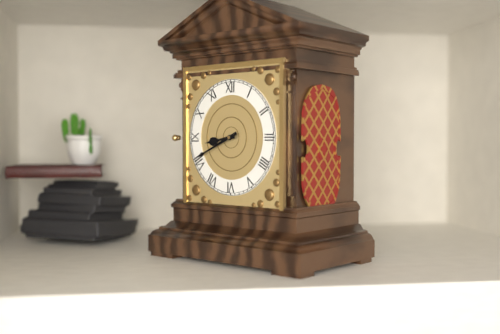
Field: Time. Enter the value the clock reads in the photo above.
8:41
